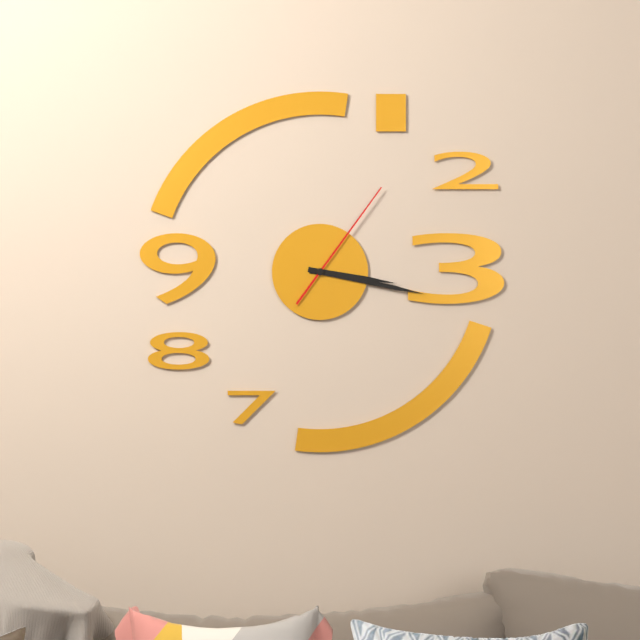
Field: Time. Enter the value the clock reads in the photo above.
3:17:06
